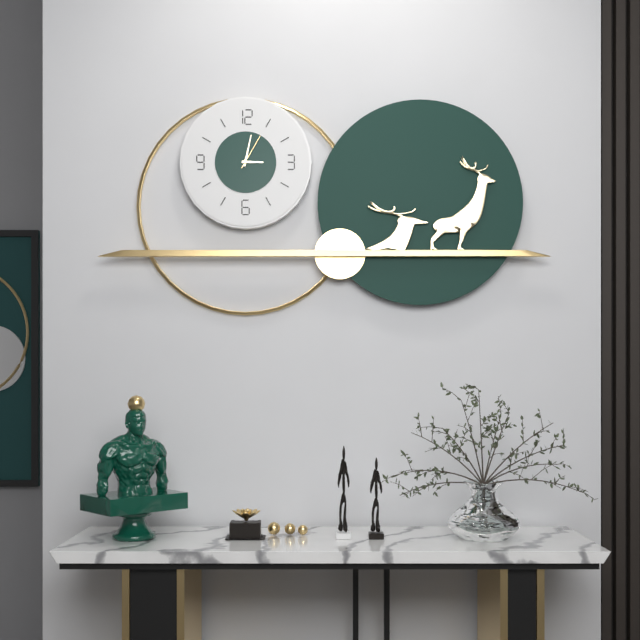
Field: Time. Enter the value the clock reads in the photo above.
3:02
